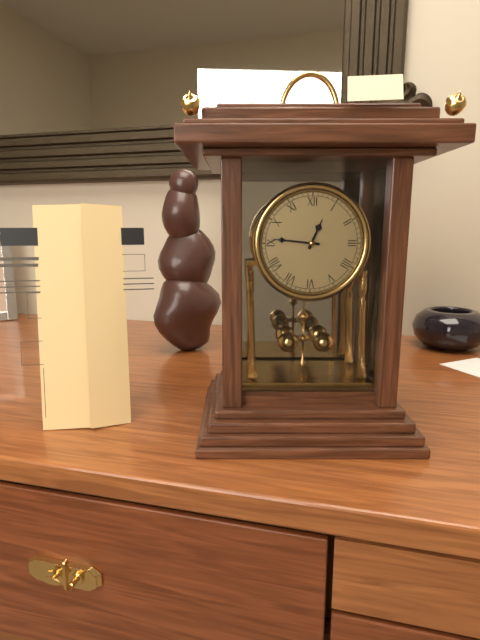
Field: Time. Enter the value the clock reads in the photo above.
12:46
